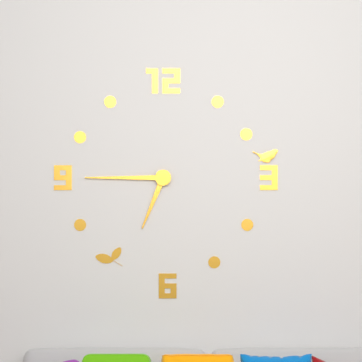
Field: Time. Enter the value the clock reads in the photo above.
6:45
